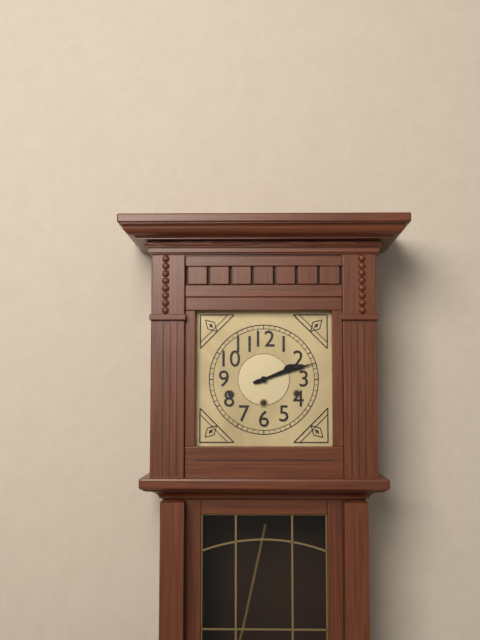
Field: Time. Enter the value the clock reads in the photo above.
2:12
